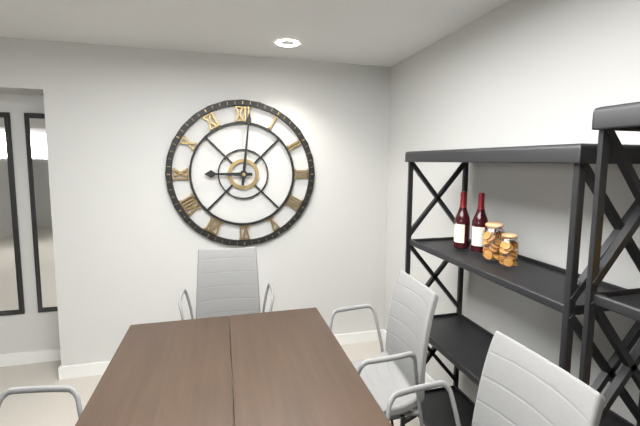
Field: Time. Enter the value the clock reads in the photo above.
9:01
